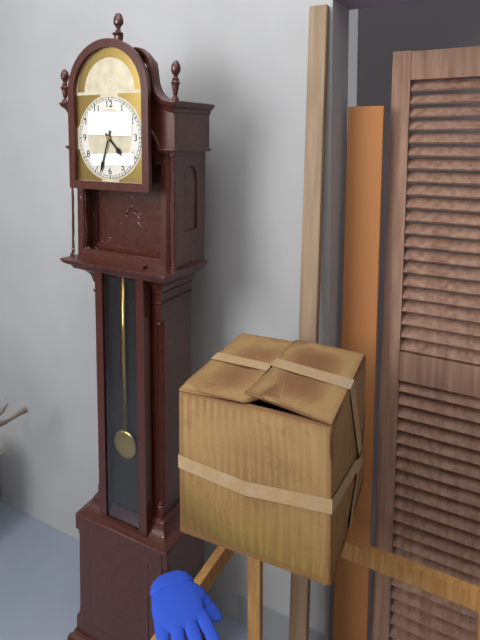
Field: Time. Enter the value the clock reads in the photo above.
4:33
